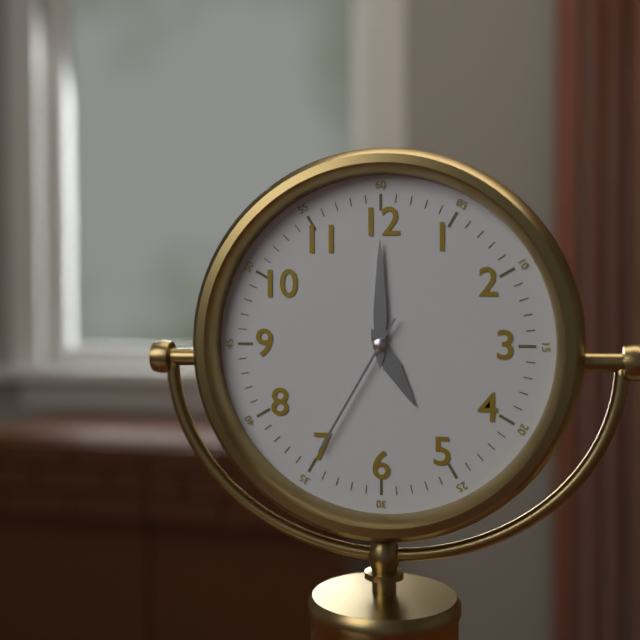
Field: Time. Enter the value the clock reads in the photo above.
5:00:35
